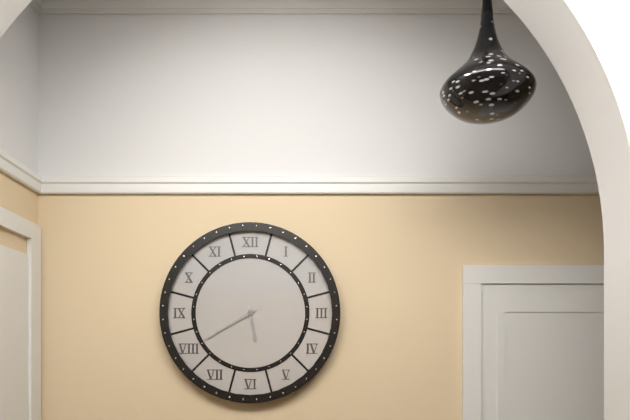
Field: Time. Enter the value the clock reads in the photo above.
5:40
